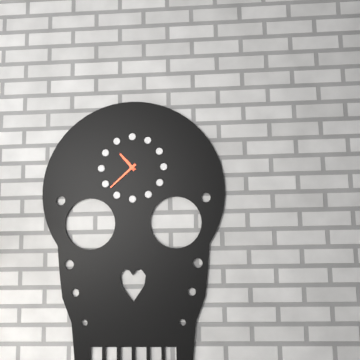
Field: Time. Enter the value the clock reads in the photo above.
10:38
